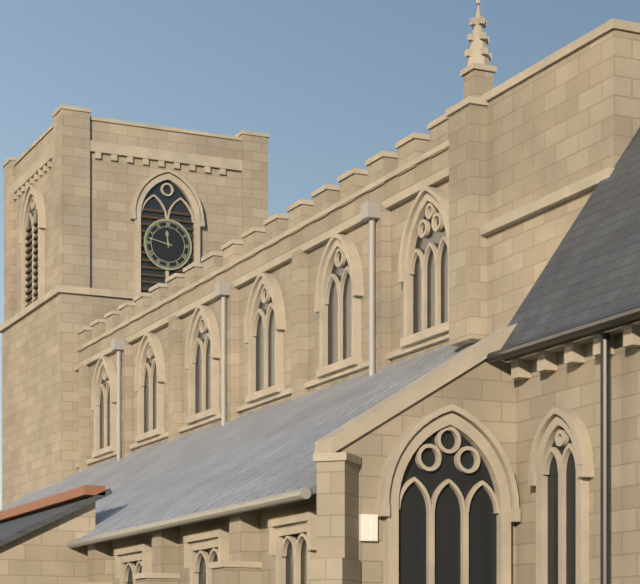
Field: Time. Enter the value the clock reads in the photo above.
11:47
